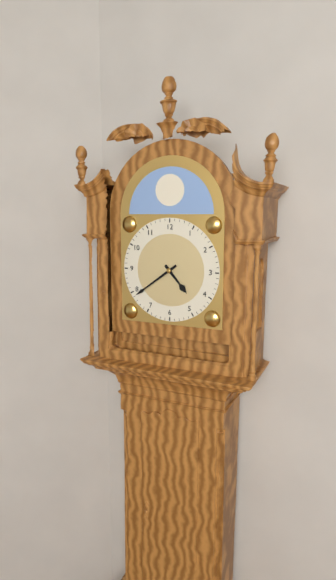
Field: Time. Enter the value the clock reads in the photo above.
4:39
